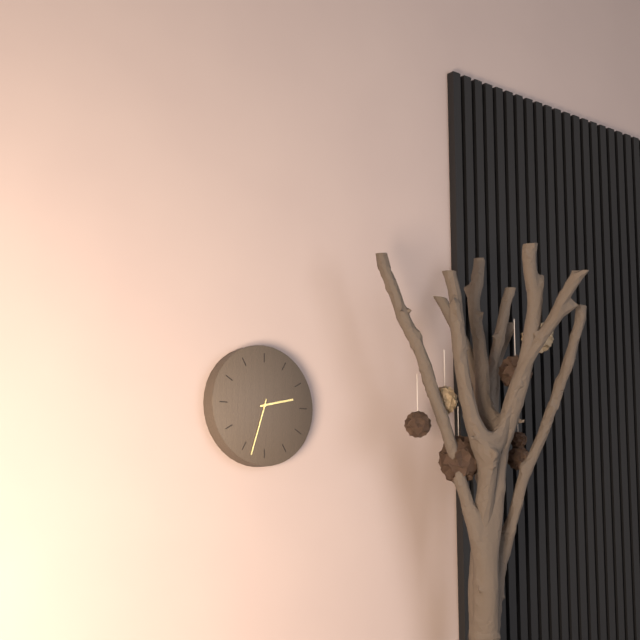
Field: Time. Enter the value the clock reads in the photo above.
2:33
